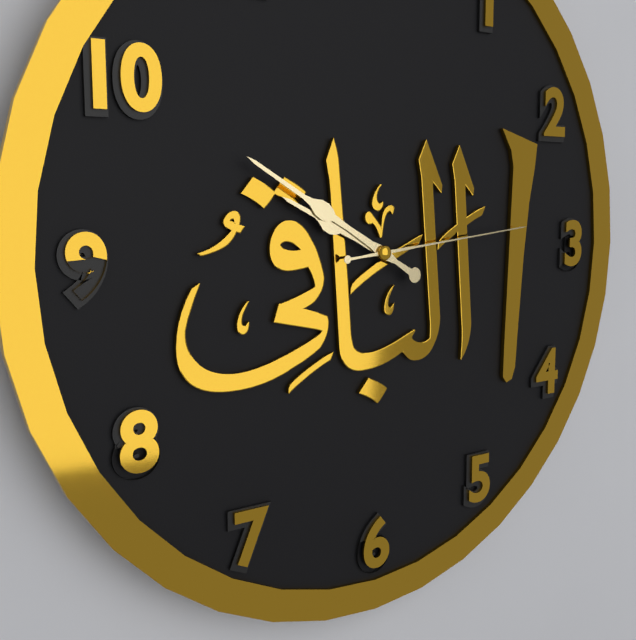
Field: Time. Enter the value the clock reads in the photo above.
9:50:14
